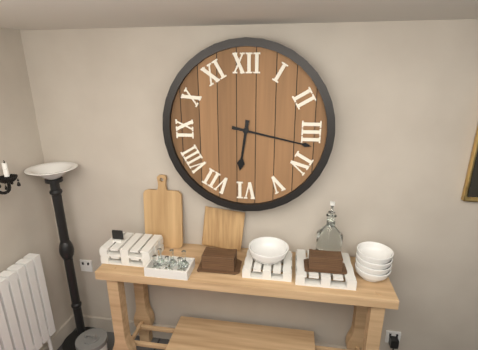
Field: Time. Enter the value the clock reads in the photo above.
6:17
